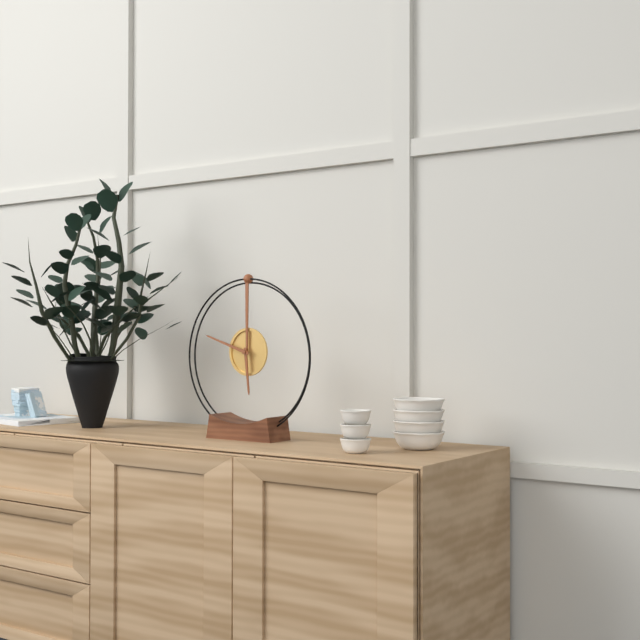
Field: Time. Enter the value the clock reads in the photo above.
5:48
